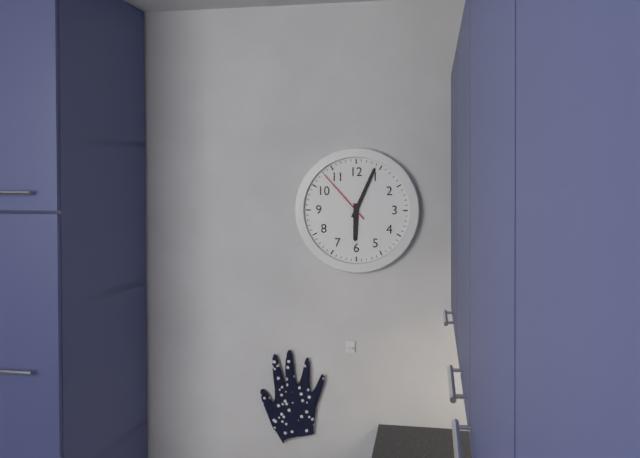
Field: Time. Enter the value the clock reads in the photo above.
6:04:53
